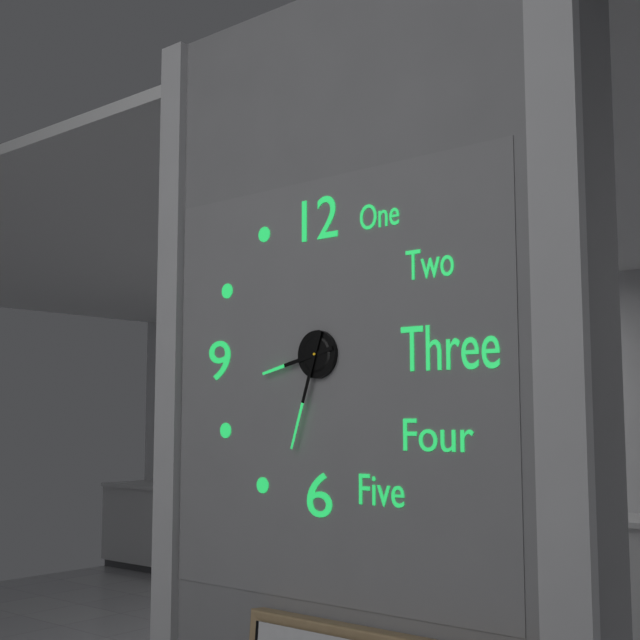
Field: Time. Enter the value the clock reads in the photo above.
8:33
